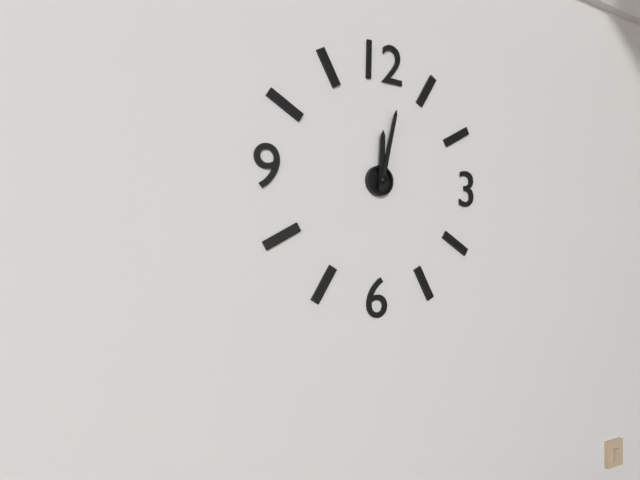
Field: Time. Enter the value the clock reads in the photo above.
12:02
